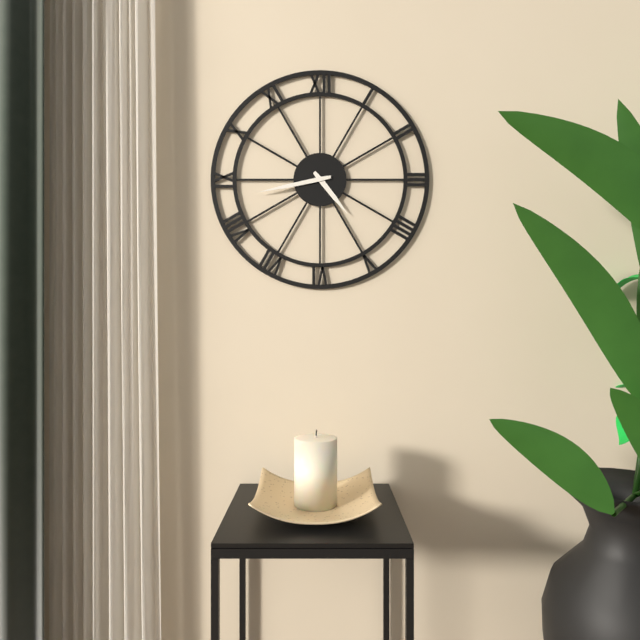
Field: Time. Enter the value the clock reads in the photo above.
4:43
